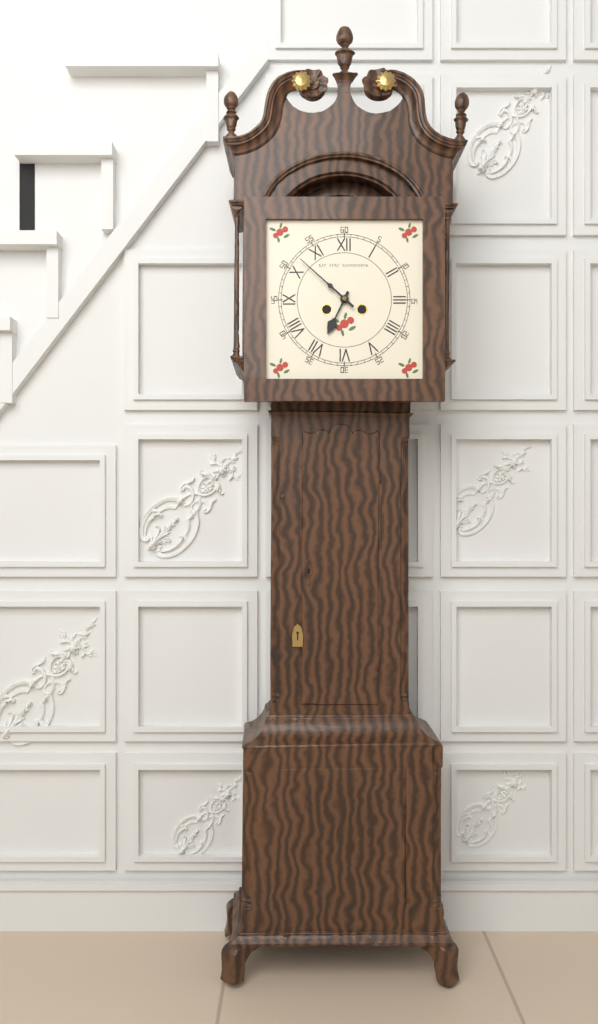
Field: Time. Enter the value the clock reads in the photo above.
6:52
